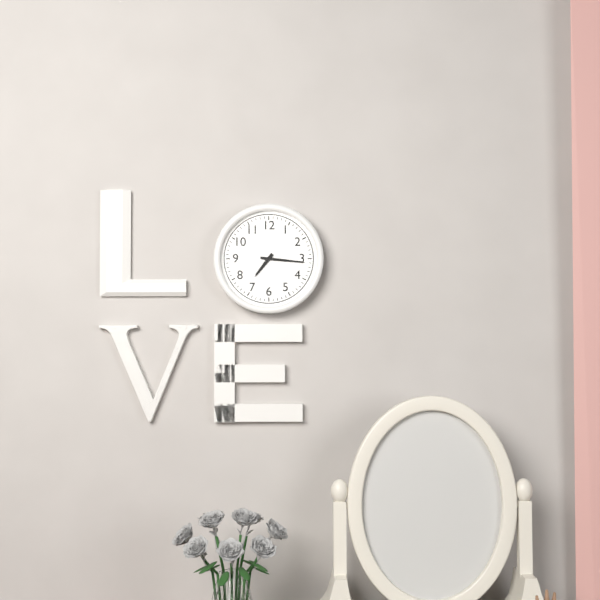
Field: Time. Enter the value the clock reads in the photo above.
7:16
